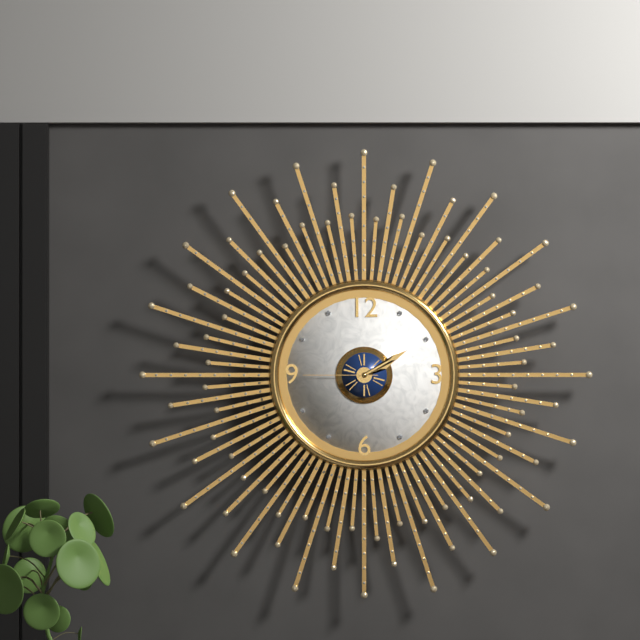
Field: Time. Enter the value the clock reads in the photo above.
2:10:45
